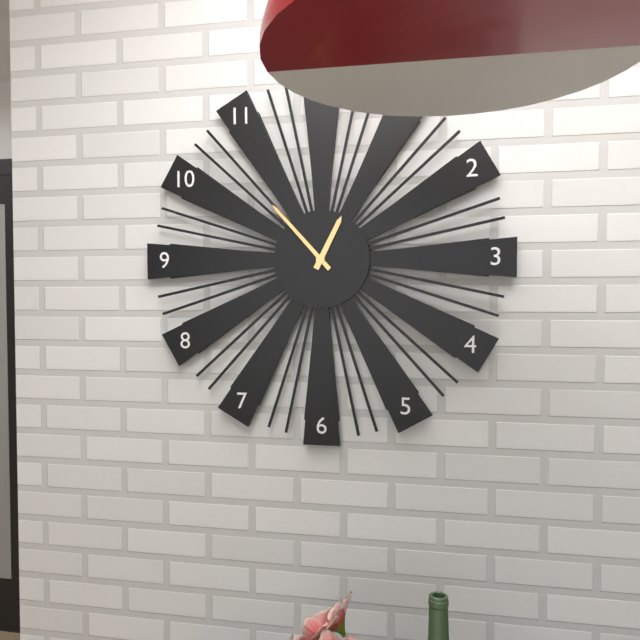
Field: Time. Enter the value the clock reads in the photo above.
12:53
